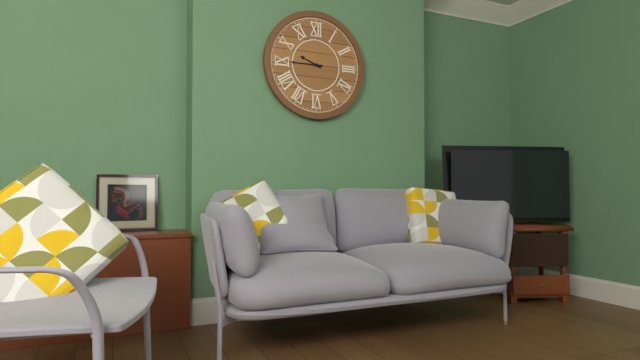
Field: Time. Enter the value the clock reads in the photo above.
9:45
